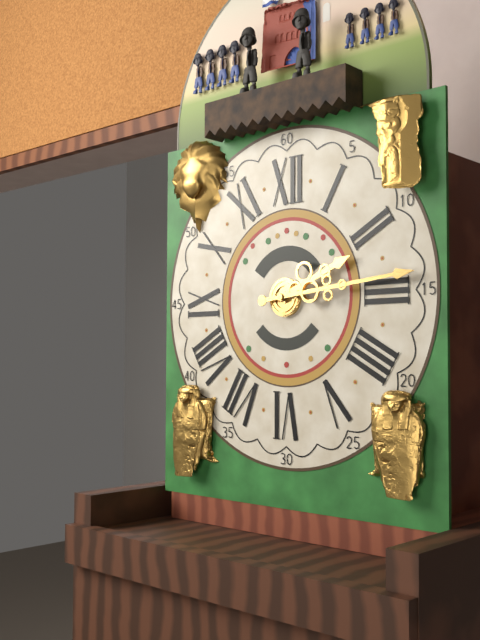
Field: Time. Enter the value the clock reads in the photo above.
2:14
